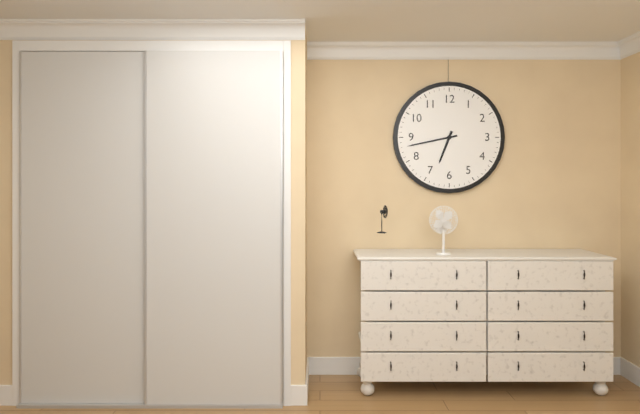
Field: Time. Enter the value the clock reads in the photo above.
6:43
